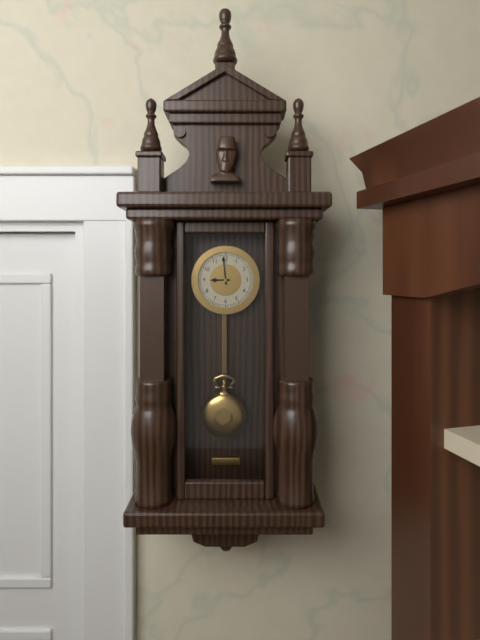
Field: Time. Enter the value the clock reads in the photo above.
8:59
